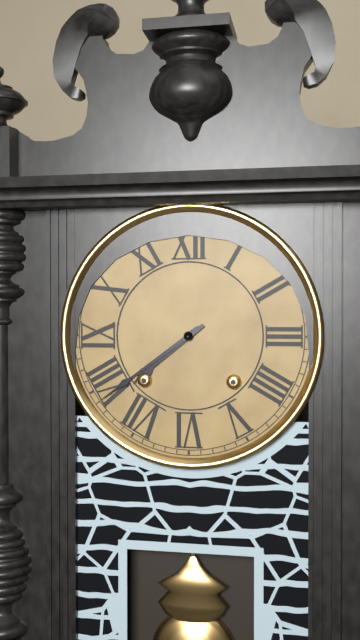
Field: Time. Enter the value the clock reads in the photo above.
7:39
